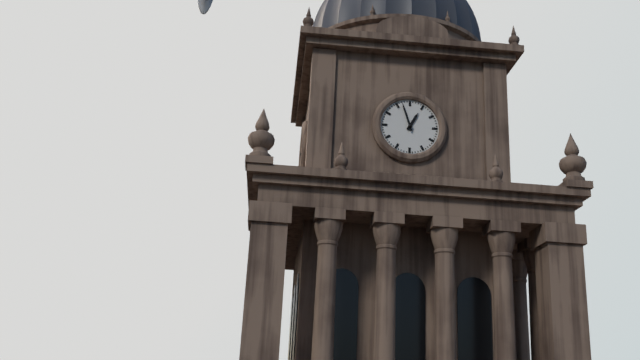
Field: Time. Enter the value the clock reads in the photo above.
12:57
